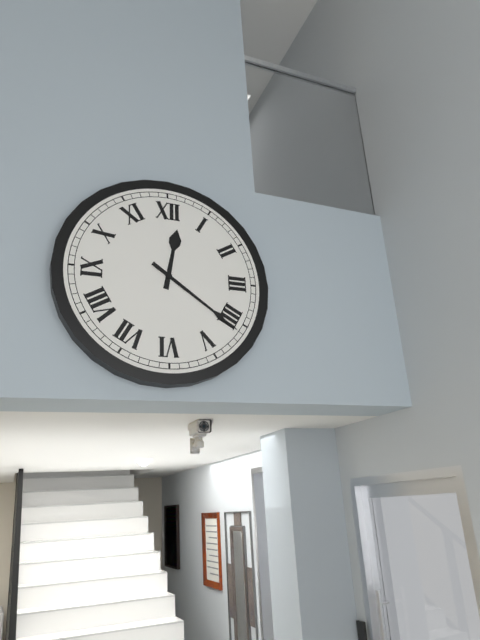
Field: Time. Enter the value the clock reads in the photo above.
12:21
